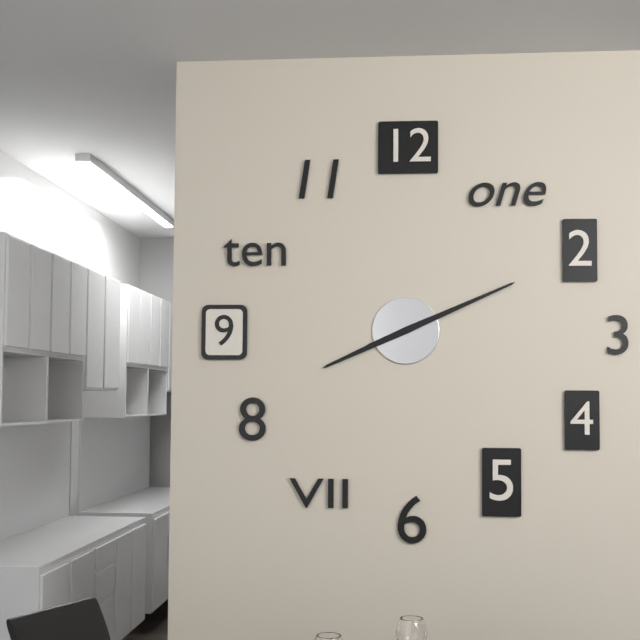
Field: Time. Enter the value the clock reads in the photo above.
8:11
